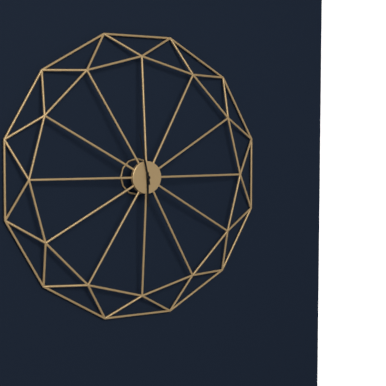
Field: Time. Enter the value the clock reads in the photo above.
5:58
